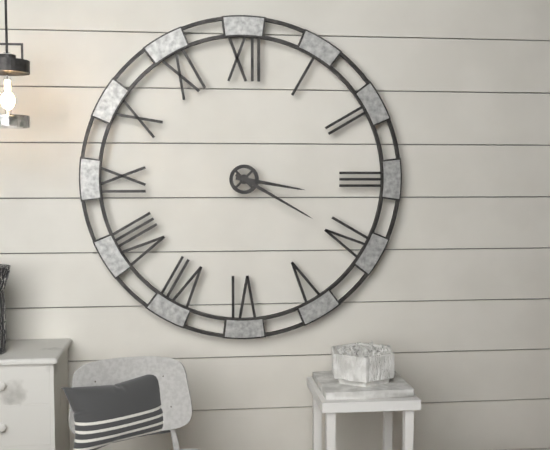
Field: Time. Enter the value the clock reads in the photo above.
3:20
